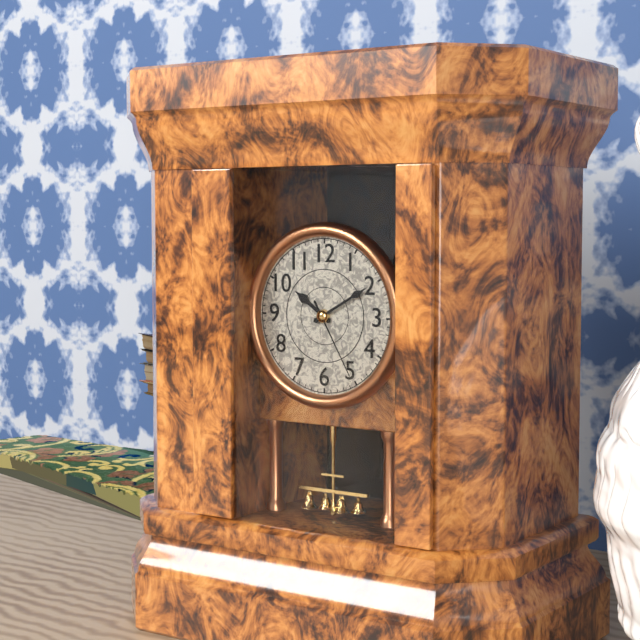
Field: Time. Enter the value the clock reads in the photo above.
10:10:25
